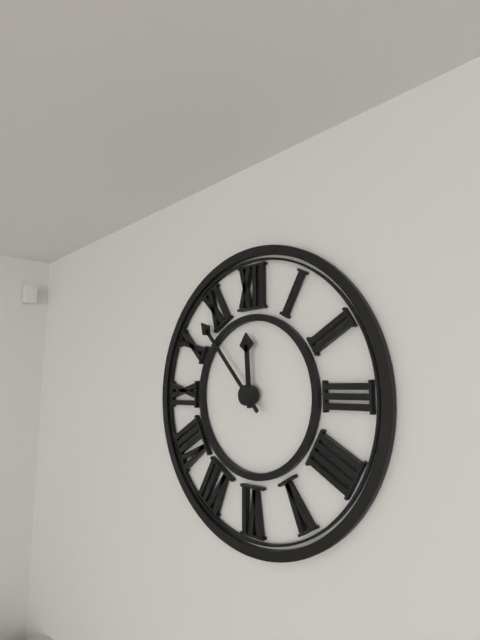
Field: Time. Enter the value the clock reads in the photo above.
11:53
